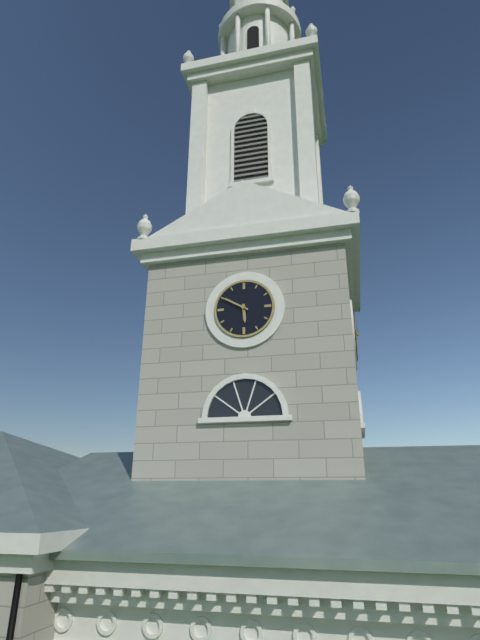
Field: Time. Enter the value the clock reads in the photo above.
5:50
